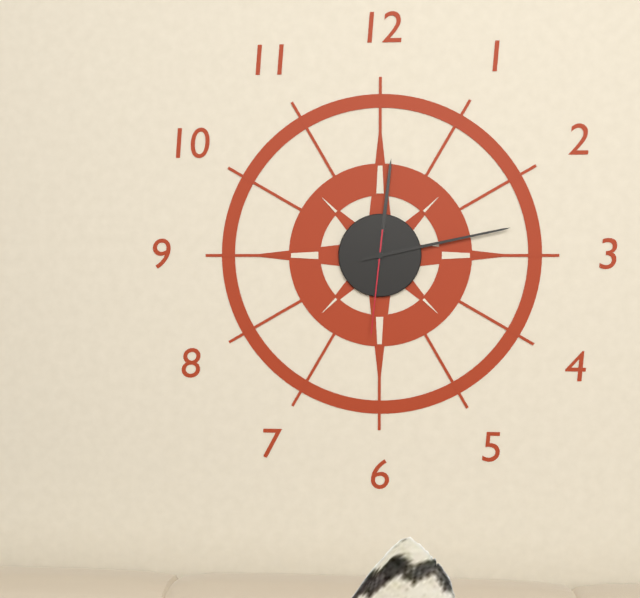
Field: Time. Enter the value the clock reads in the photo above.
12:13:31
